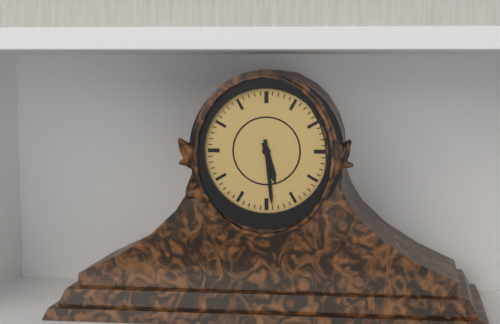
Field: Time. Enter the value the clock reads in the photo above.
5:29
